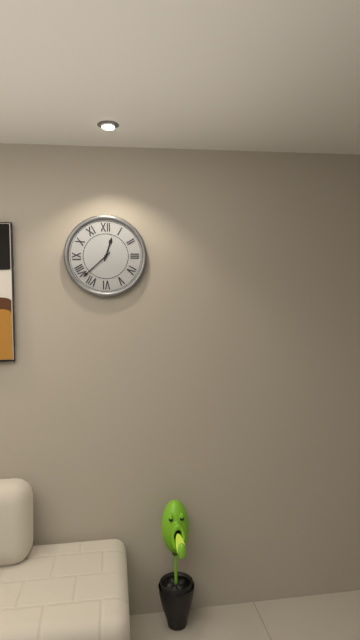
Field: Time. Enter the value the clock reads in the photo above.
12:38
